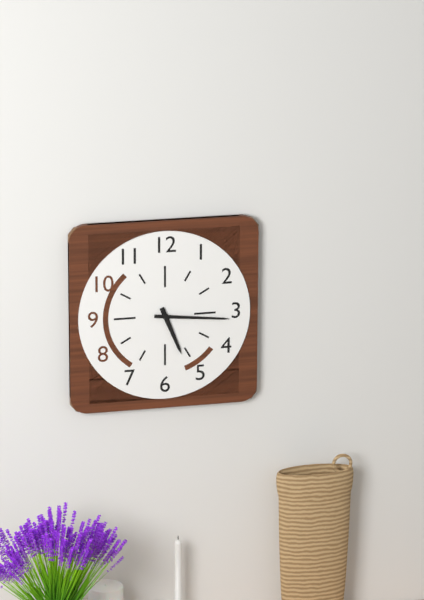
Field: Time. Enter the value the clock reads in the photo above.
5:16
